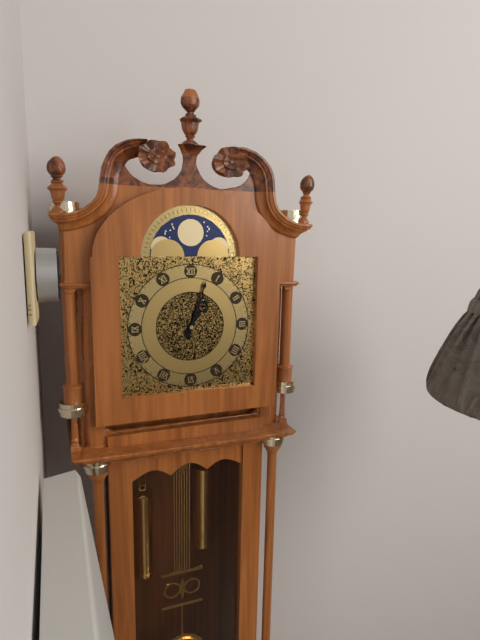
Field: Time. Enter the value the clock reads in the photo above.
1:03
